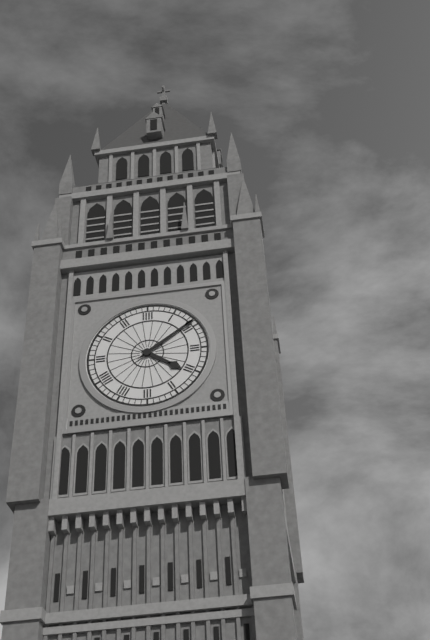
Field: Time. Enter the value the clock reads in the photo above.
4:09
